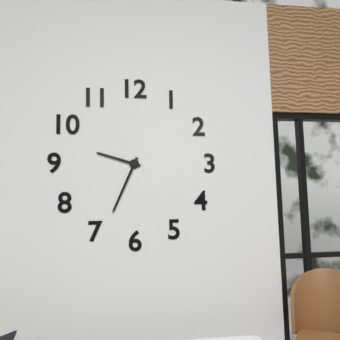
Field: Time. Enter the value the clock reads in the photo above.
9:34
